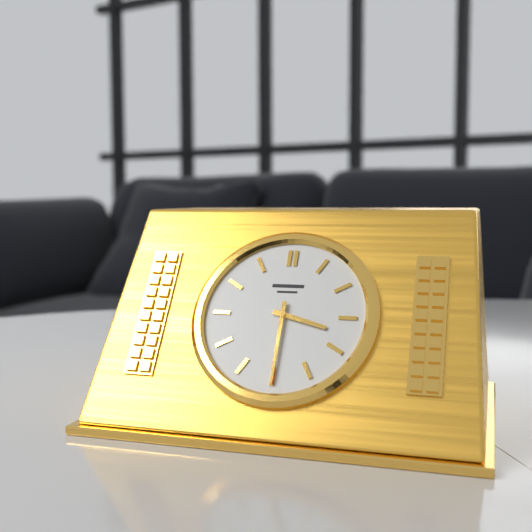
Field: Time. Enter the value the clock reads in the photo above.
3:30
